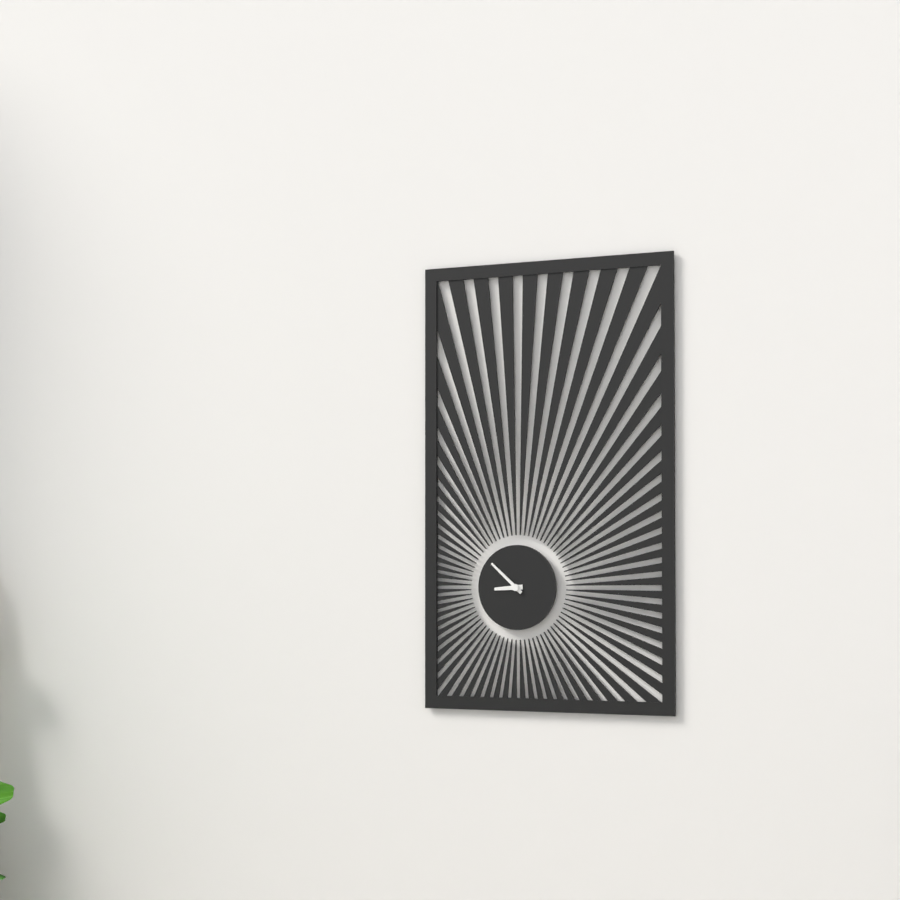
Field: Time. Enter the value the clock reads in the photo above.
8:52
